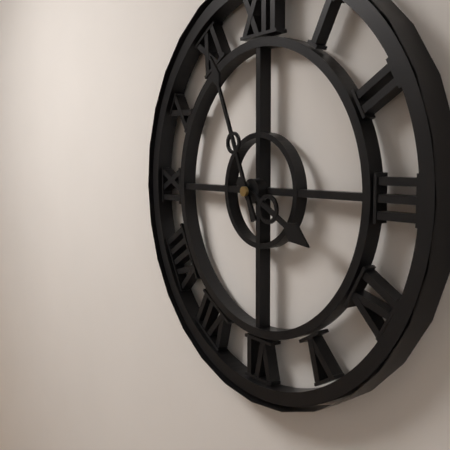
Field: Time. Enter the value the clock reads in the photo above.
3:56
